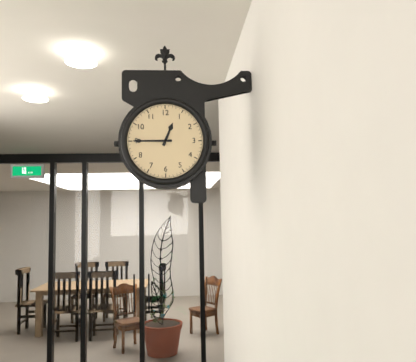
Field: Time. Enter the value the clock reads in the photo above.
12:45
